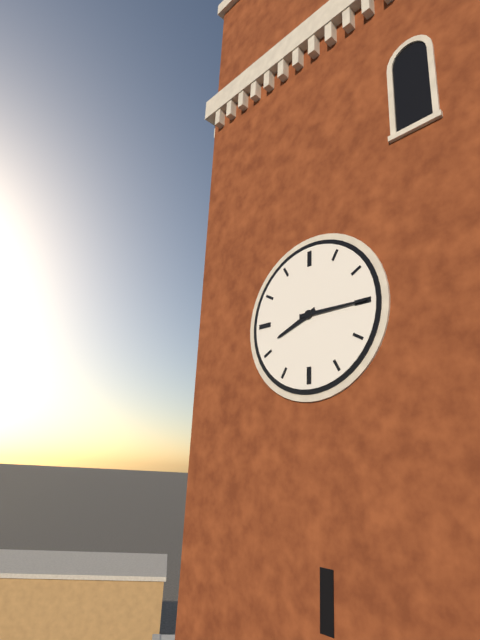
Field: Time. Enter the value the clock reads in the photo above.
8:15
